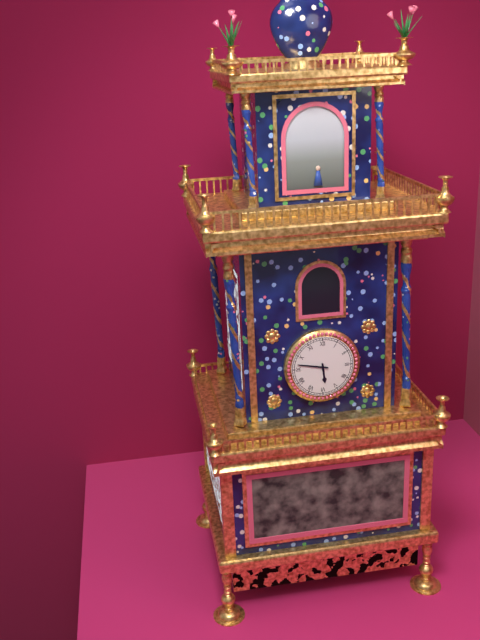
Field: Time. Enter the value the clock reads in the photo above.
5:47
